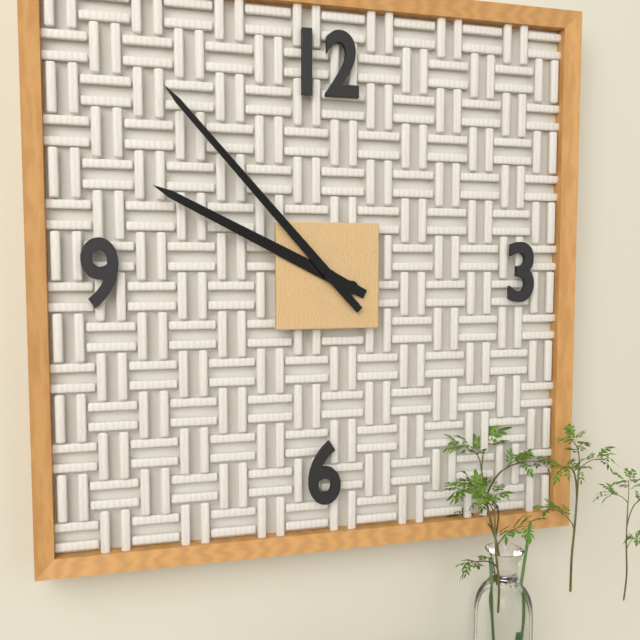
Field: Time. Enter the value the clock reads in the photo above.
9:53
